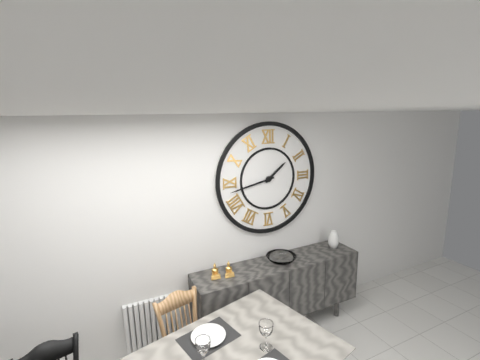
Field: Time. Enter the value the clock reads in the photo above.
1:43
